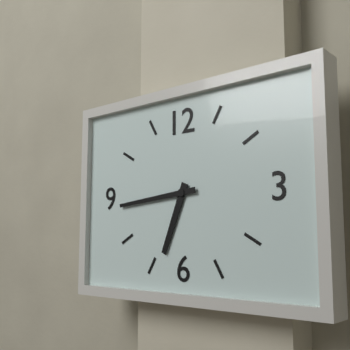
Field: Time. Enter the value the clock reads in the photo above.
6:44
